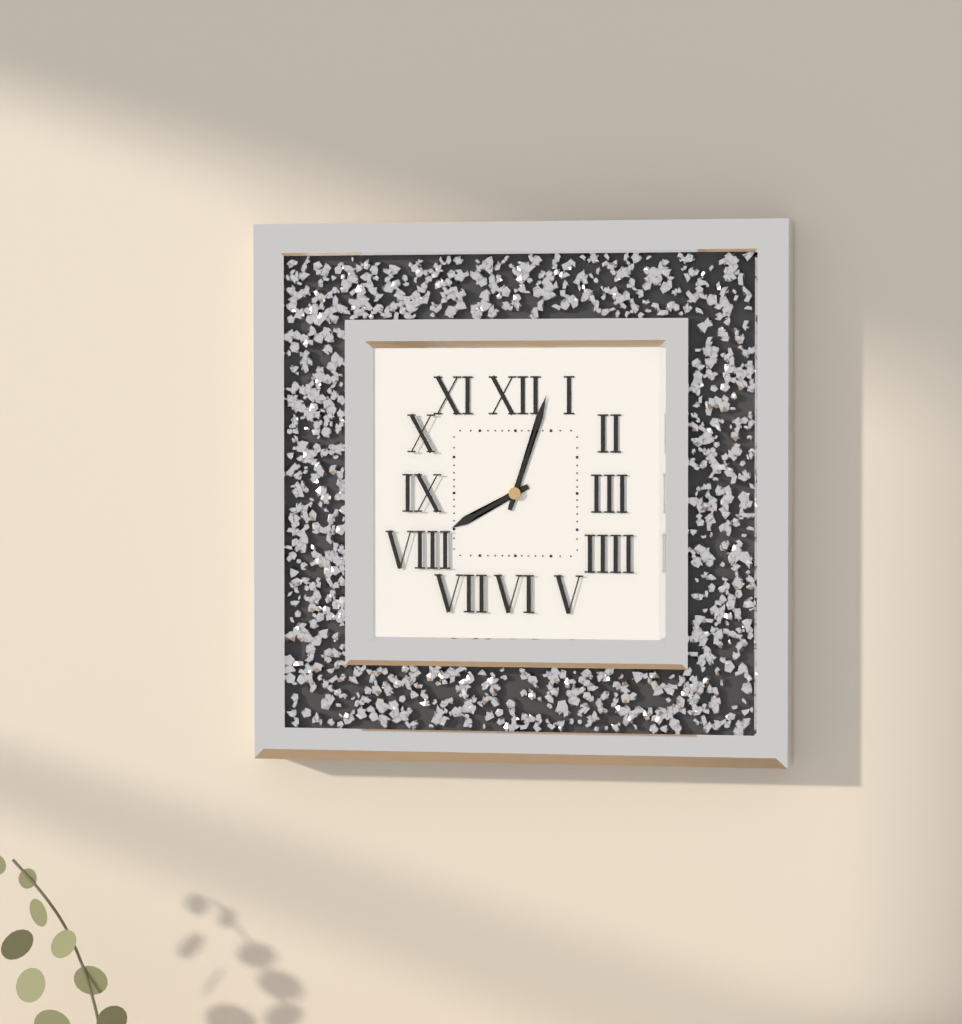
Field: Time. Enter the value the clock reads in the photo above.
8:03
